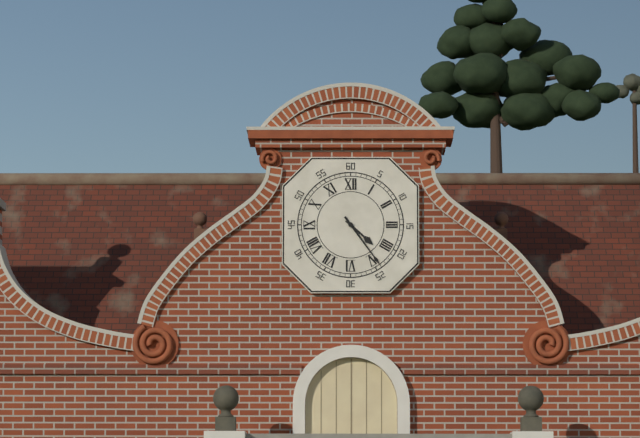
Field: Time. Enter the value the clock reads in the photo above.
4:24
